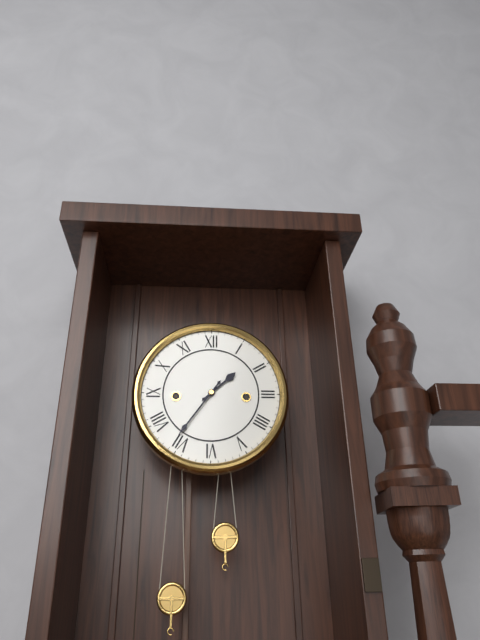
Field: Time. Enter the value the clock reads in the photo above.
1:36
